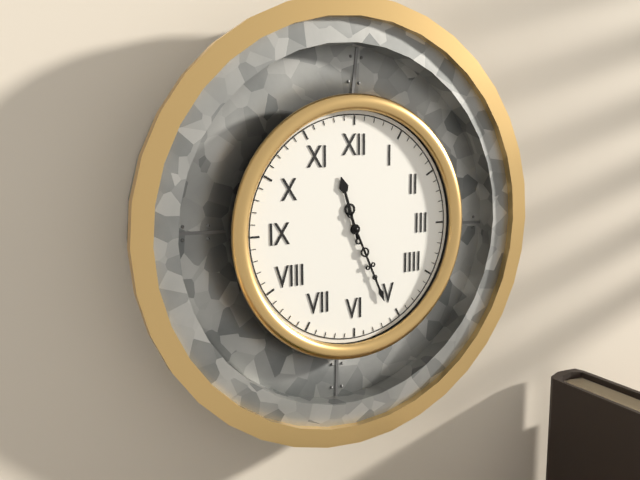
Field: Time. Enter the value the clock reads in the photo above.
11:26
